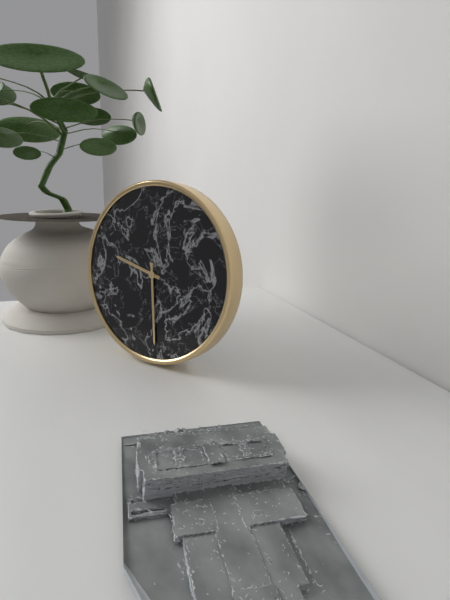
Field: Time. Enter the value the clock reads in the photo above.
9:29
